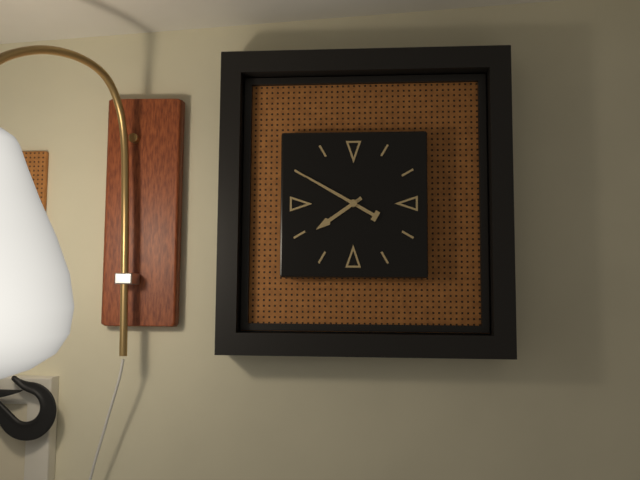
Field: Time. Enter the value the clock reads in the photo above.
7:50
